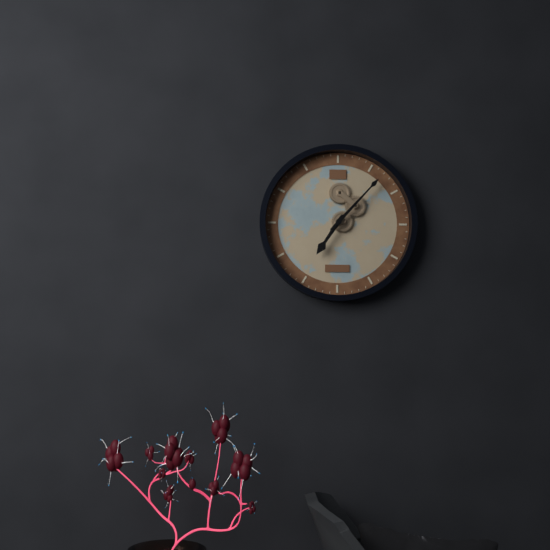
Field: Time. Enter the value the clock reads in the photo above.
7:07
